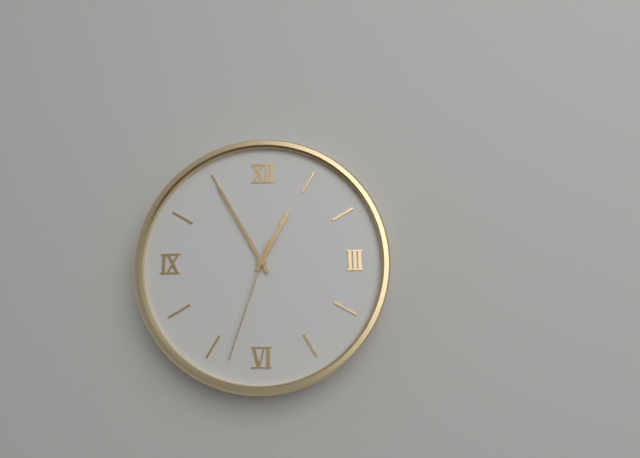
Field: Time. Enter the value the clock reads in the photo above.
12:55:33
